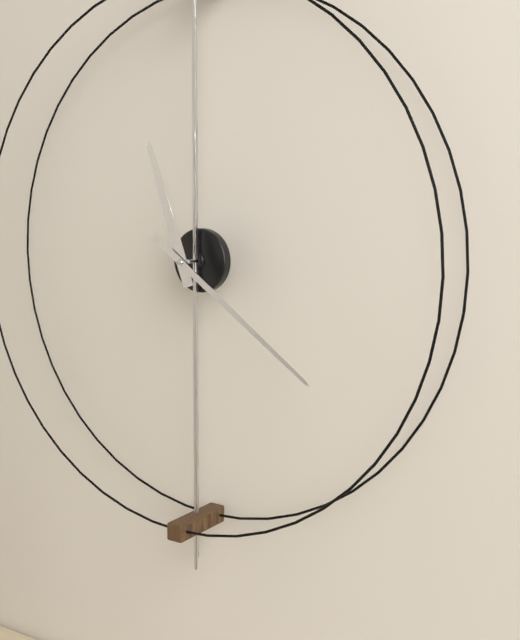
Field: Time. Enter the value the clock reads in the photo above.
11:21
